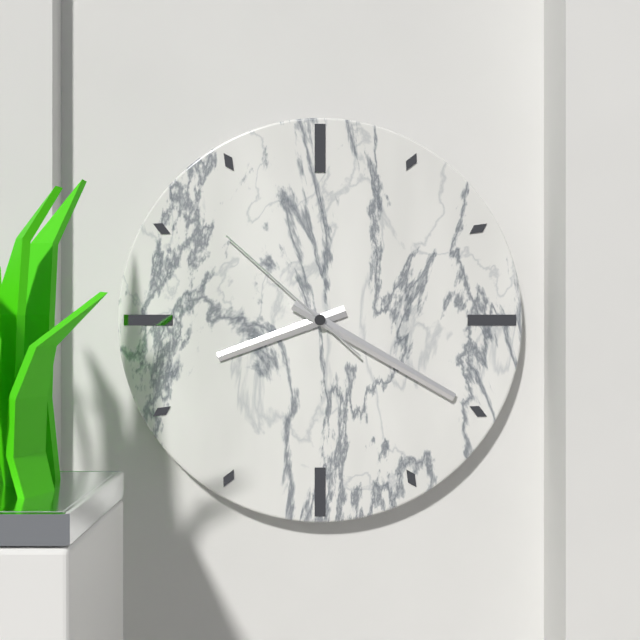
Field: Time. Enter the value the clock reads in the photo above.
8:20:52
